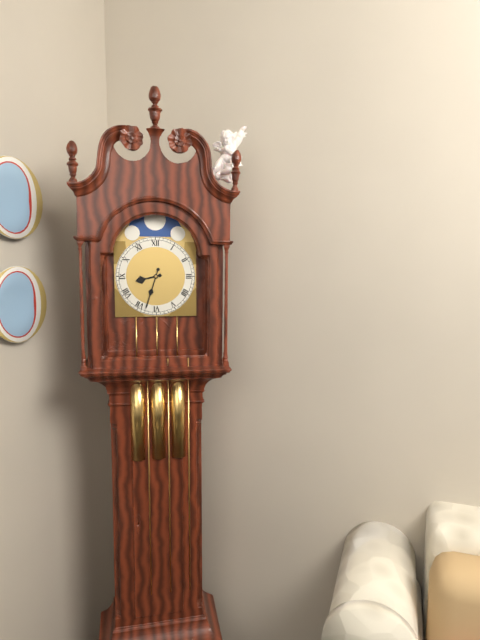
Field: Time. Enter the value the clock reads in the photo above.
8:33
